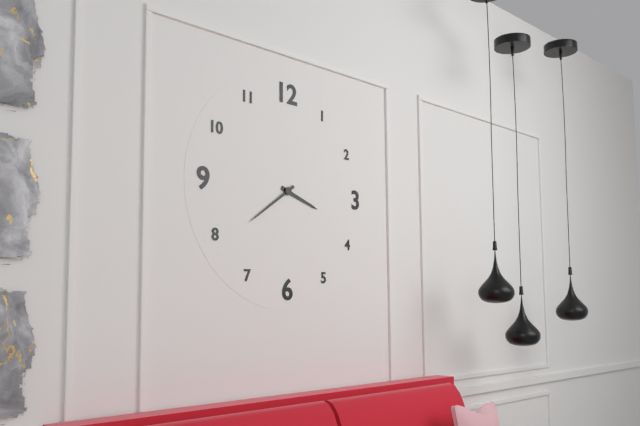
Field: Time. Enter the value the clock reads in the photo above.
3:39
